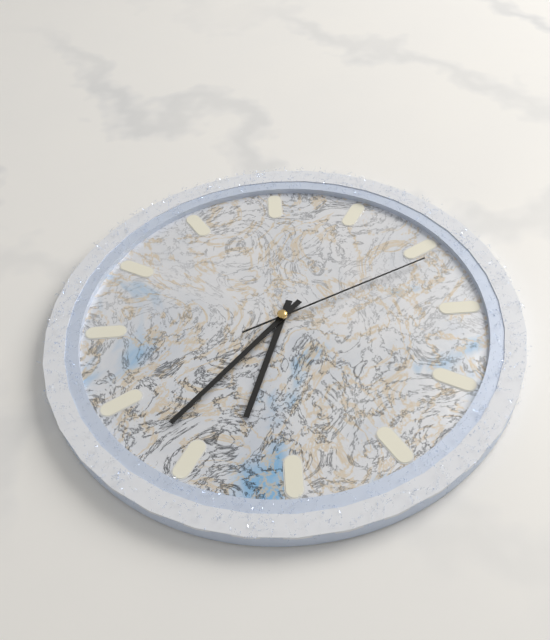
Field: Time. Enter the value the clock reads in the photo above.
6:37:11
